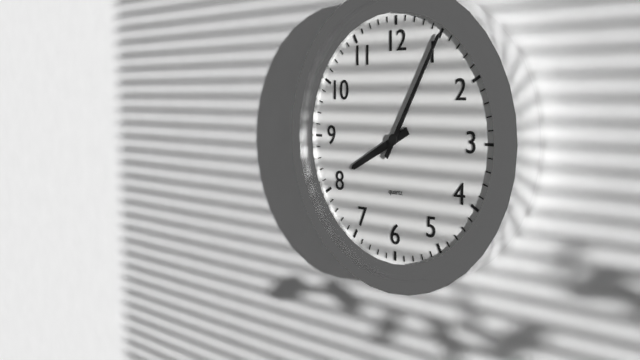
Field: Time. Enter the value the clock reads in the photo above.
8:05
